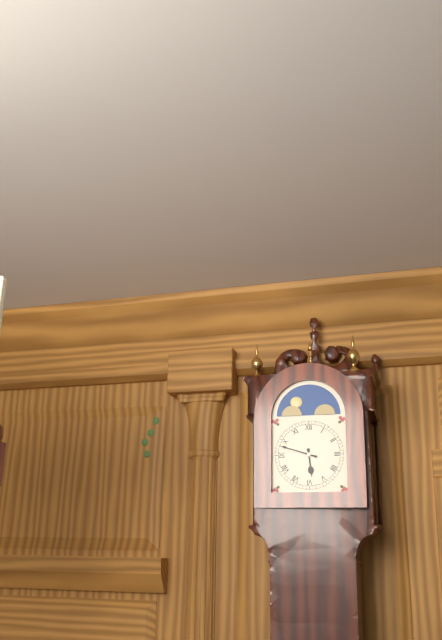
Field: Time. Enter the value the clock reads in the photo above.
5:48
